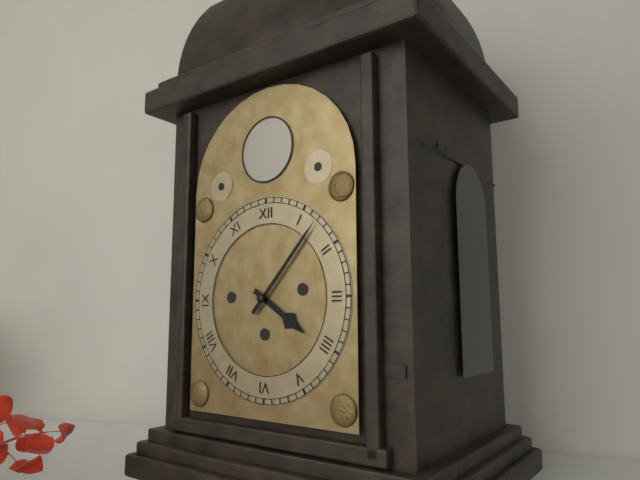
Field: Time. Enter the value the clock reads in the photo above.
4:07
